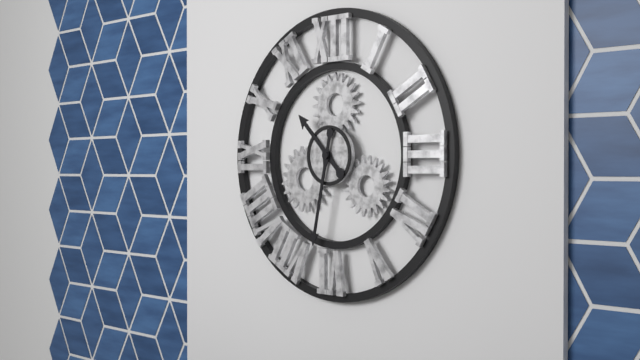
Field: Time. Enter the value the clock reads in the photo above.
10:32
